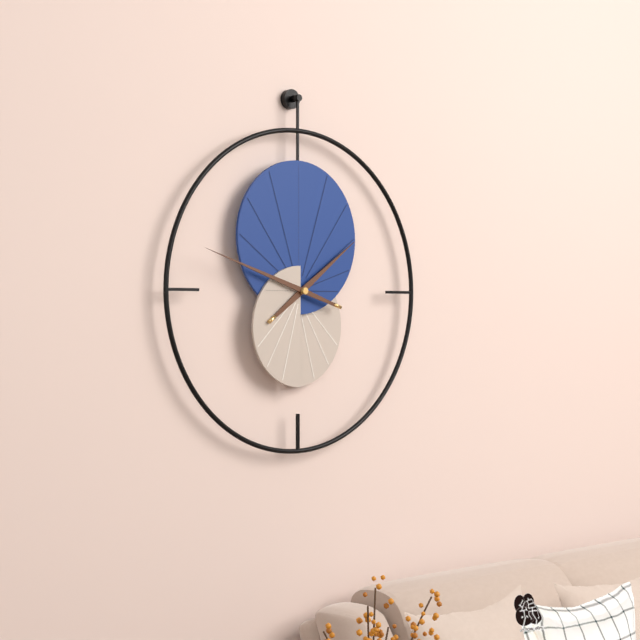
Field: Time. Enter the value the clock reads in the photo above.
1:48
